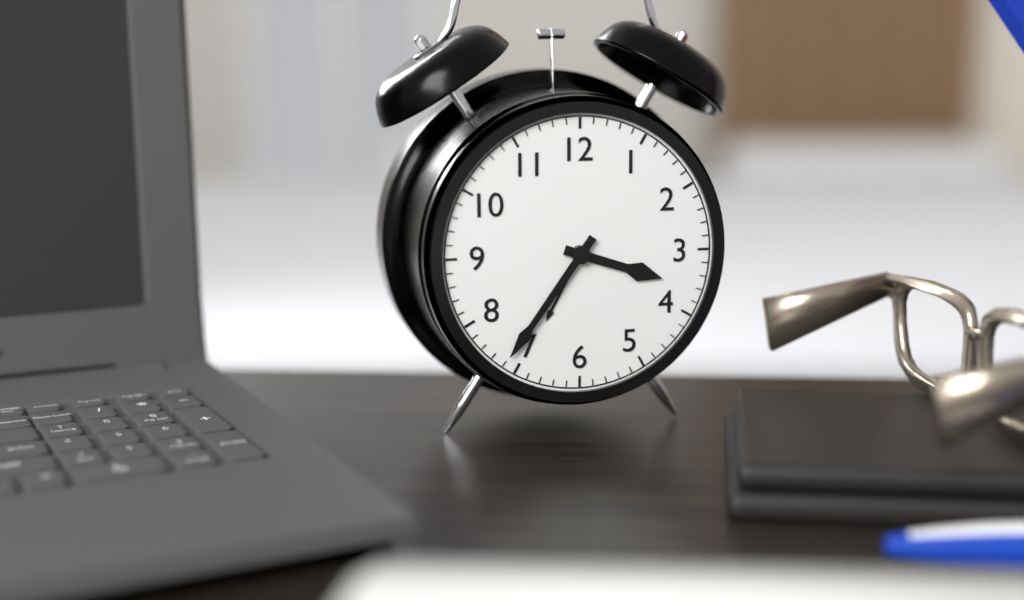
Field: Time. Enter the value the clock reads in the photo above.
3:36
